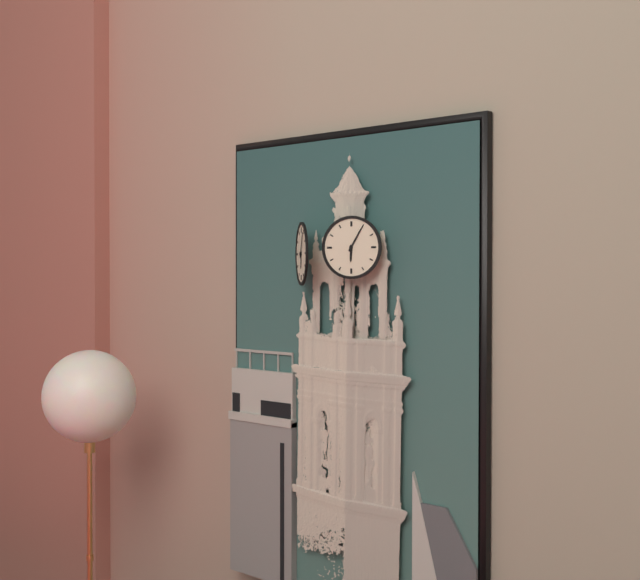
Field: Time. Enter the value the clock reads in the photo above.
6:05
